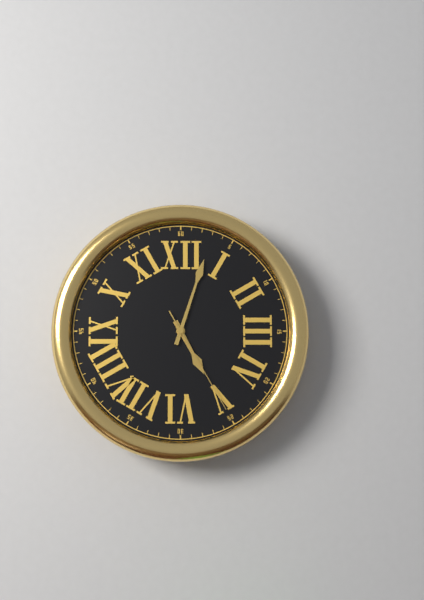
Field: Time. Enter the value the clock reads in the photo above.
5:03:25
